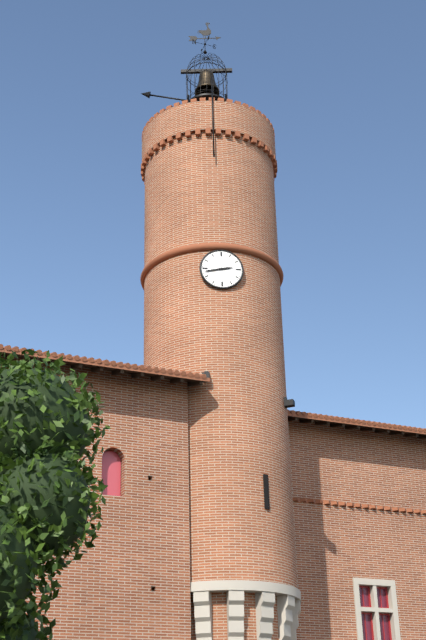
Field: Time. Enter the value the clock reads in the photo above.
2:43
